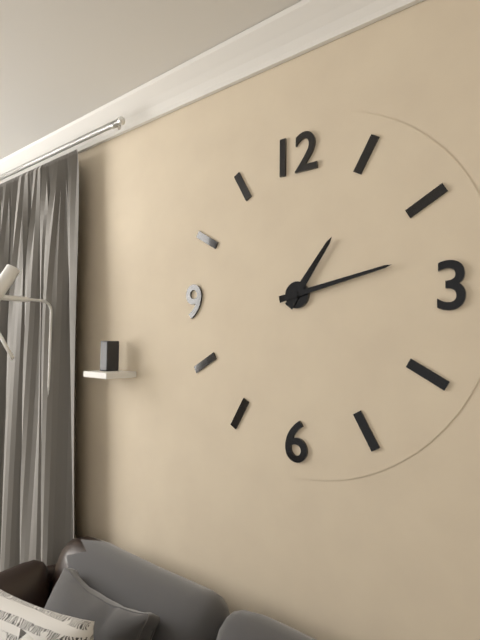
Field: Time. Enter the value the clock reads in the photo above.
1:13
